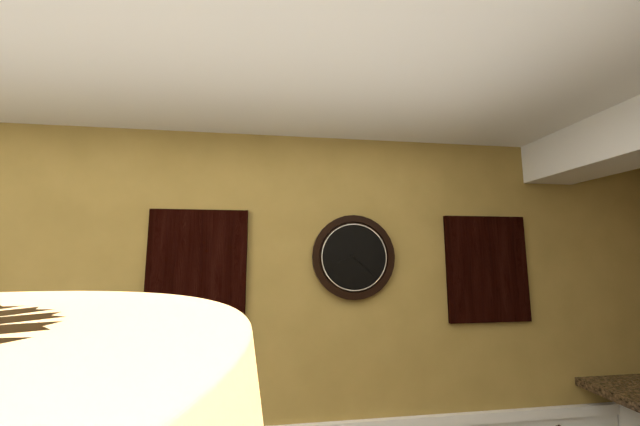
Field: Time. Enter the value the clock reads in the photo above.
8:22
